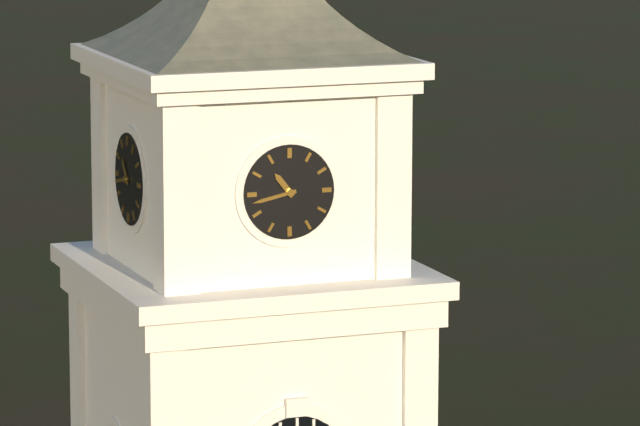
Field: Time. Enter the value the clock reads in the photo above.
10:43
